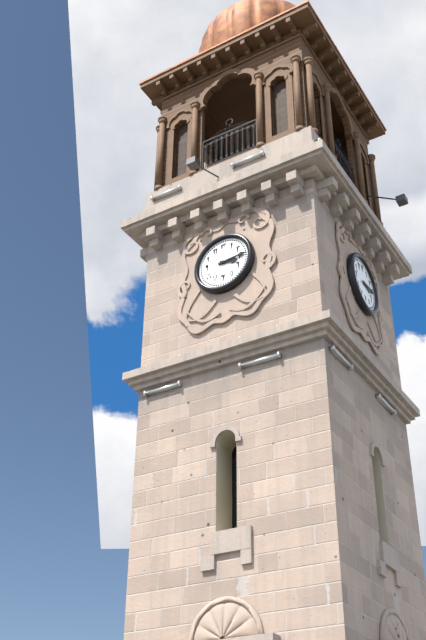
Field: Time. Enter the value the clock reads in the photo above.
3:14
